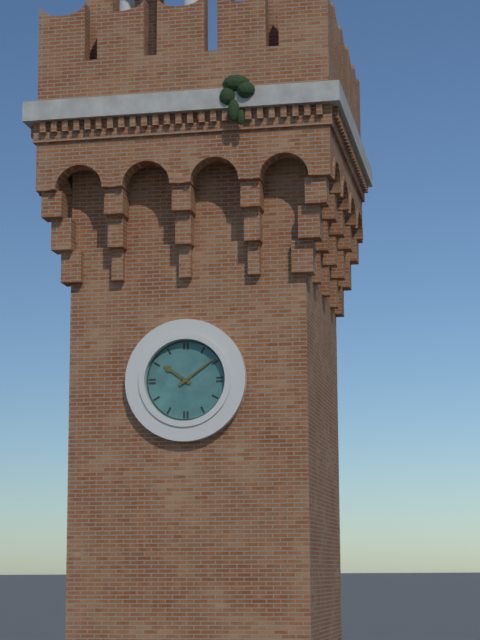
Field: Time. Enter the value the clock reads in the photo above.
10:09
